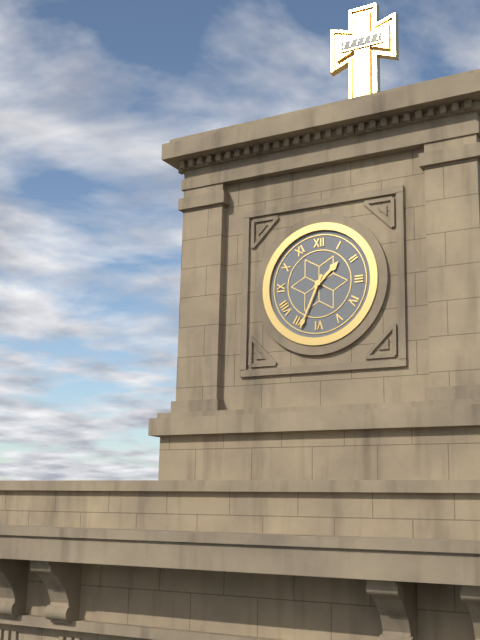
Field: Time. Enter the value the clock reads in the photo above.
1:34
